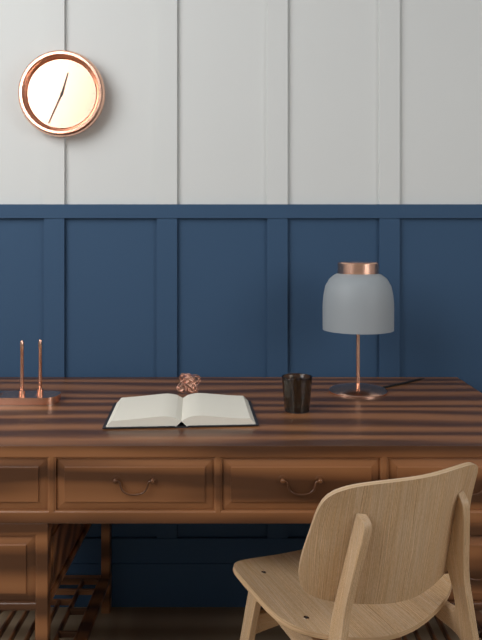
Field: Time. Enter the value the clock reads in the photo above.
12:34
